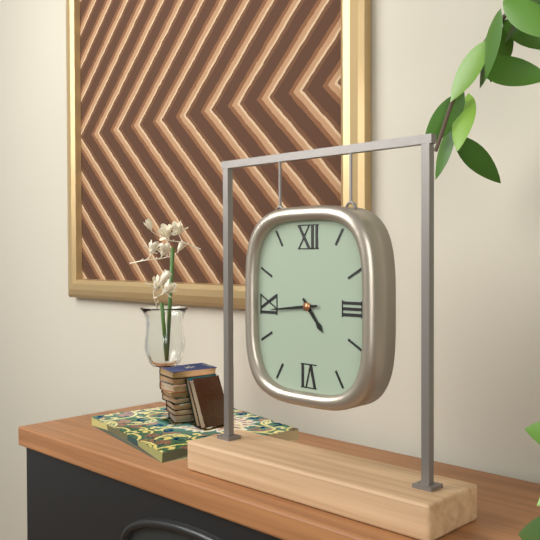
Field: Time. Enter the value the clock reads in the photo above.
4:44
